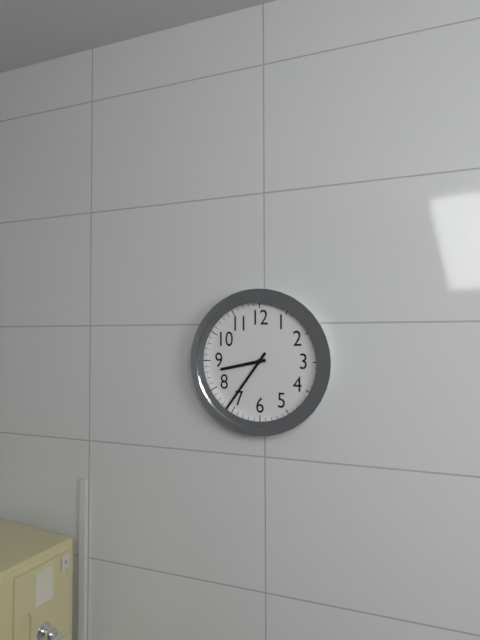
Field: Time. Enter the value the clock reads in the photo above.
8:36
